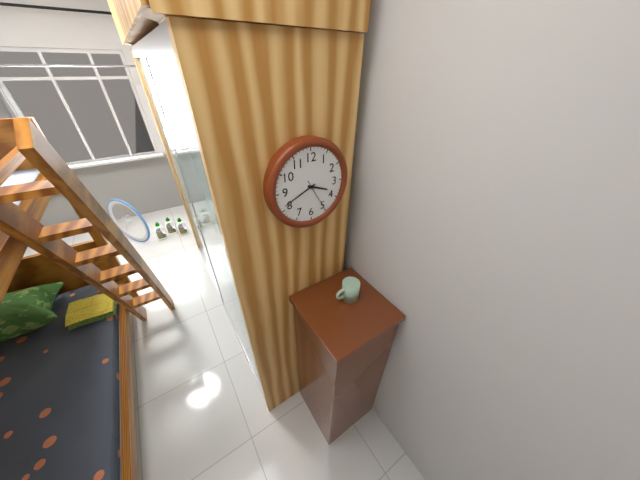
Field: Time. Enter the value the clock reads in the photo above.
3:41
